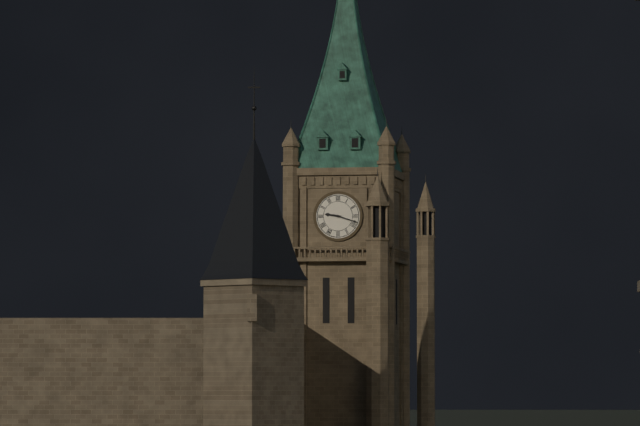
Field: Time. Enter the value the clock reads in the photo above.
9:18
